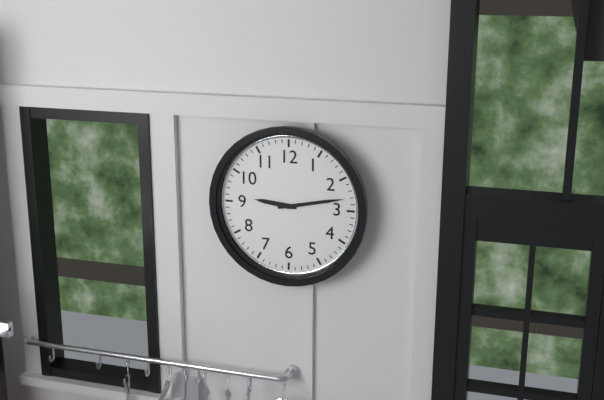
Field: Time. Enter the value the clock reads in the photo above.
9:13
